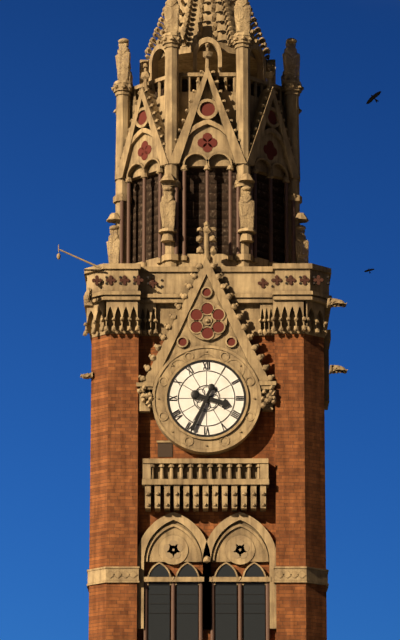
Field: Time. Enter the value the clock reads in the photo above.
3:34
